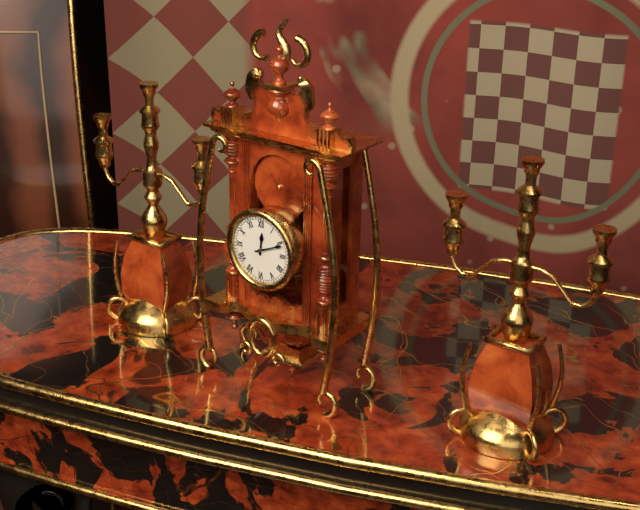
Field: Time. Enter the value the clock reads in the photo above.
12:11
